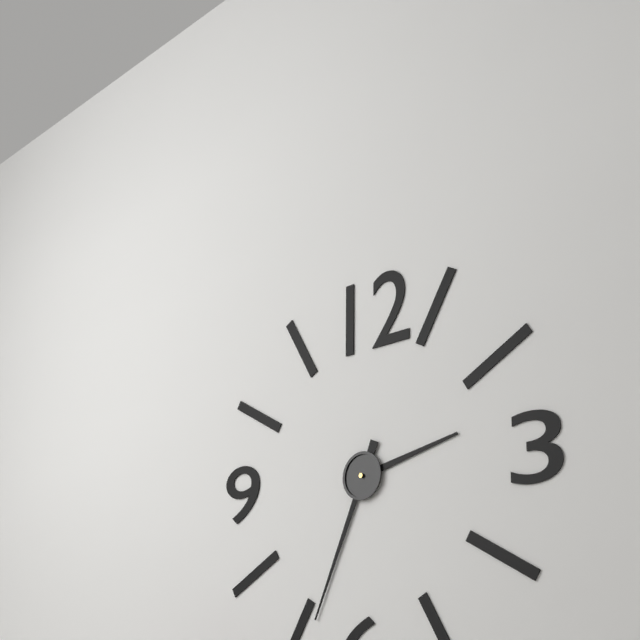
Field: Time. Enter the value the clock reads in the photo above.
2:34
